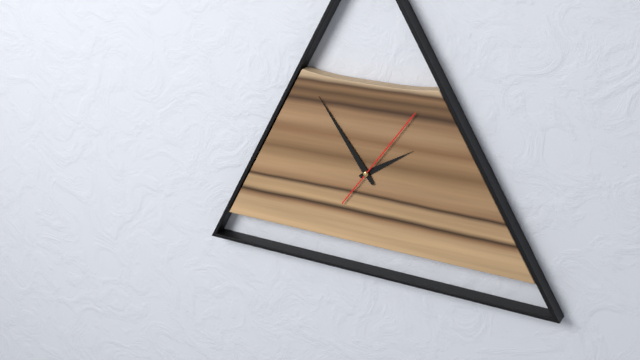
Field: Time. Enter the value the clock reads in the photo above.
1:54:06
